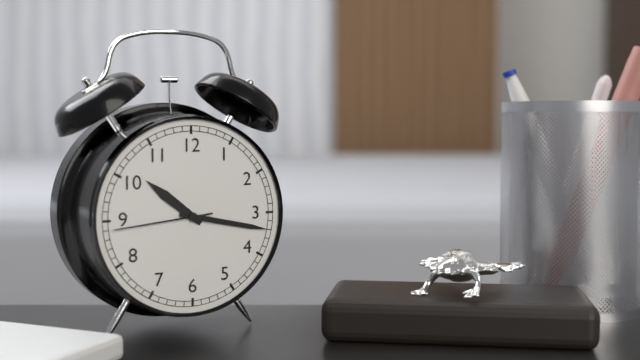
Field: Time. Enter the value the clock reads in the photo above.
10:17:44
